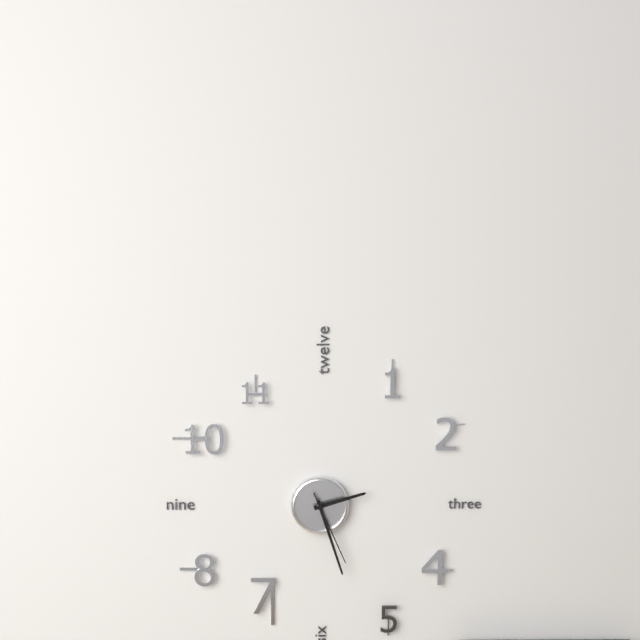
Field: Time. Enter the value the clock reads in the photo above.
2:27:26
